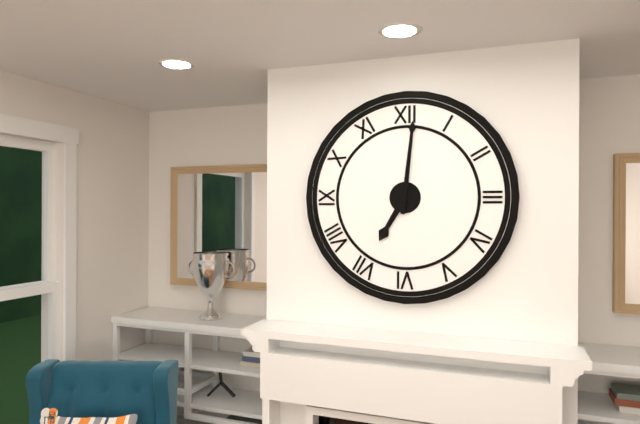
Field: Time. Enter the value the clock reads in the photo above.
7:01
